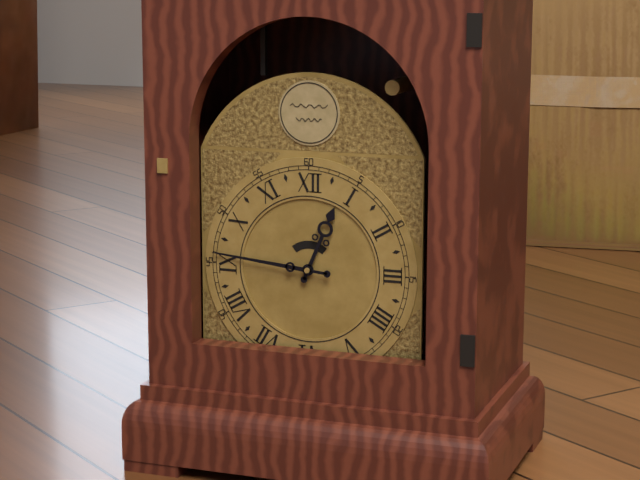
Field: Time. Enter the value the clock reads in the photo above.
12:46
